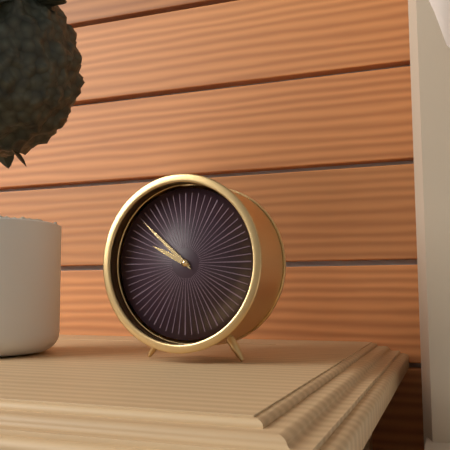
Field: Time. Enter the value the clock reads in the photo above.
9:52
